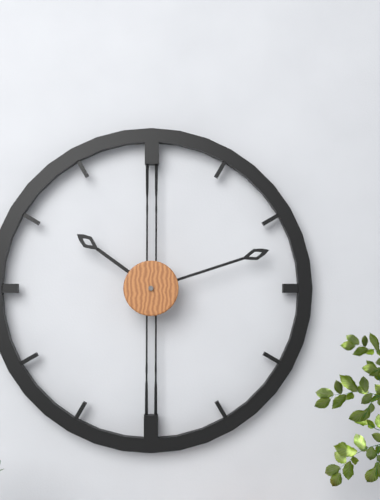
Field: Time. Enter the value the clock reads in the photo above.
10:12
